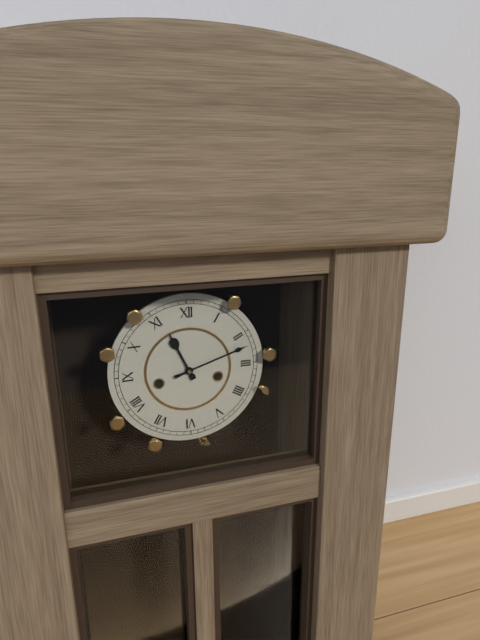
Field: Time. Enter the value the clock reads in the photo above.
11:12
